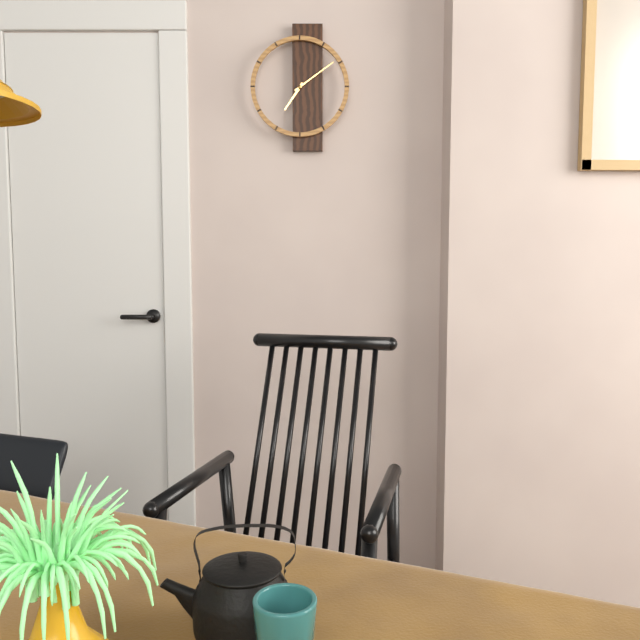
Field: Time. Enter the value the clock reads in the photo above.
7:09
